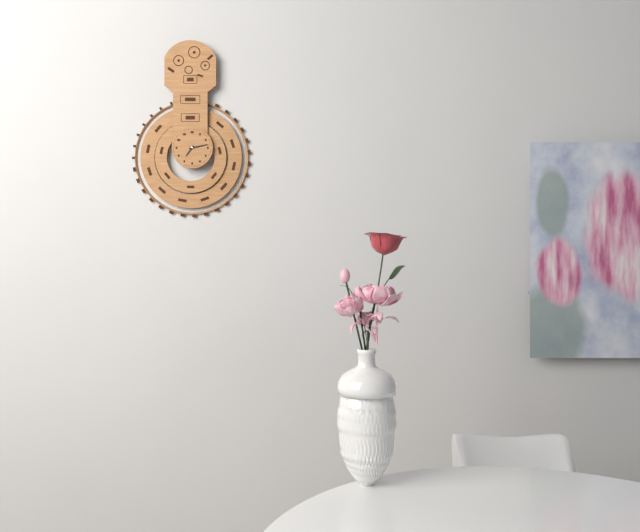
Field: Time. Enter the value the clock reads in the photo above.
7:13
